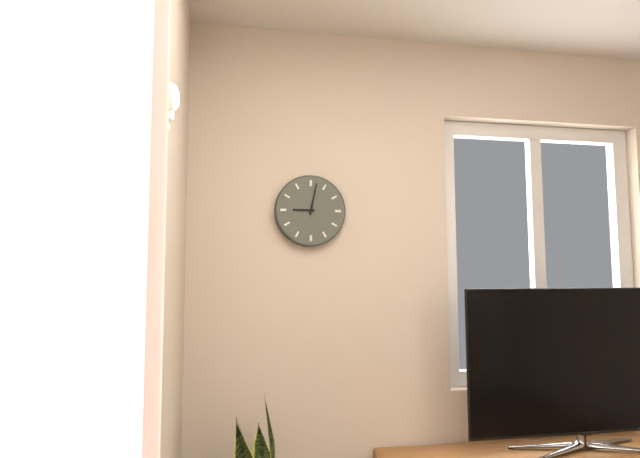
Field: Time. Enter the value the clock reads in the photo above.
9:02
